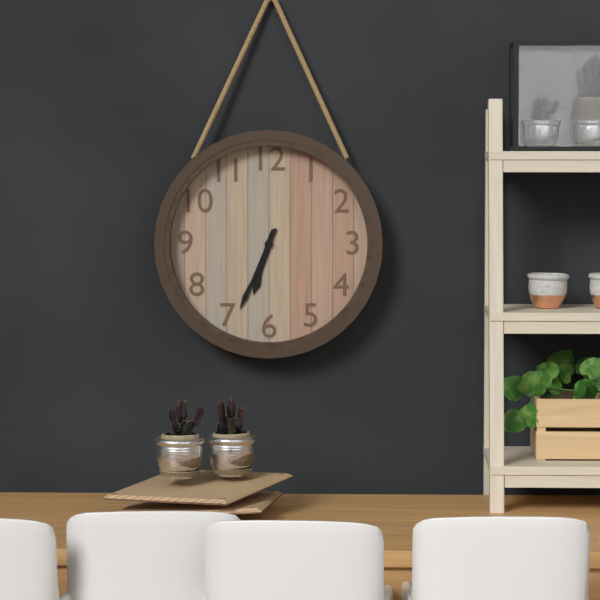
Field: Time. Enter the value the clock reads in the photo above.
6:34
